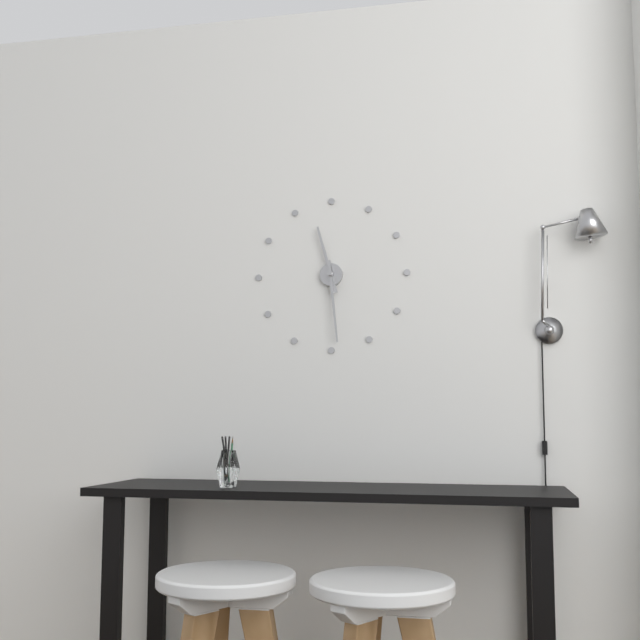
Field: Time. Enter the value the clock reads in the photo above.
11:29
